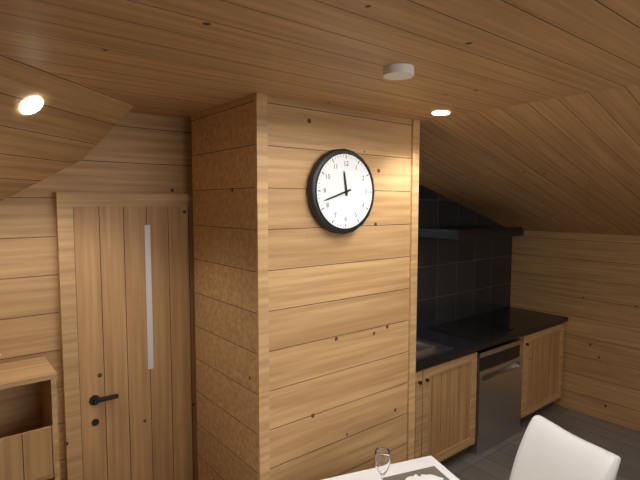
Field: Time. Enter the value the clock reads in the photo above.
11:42
